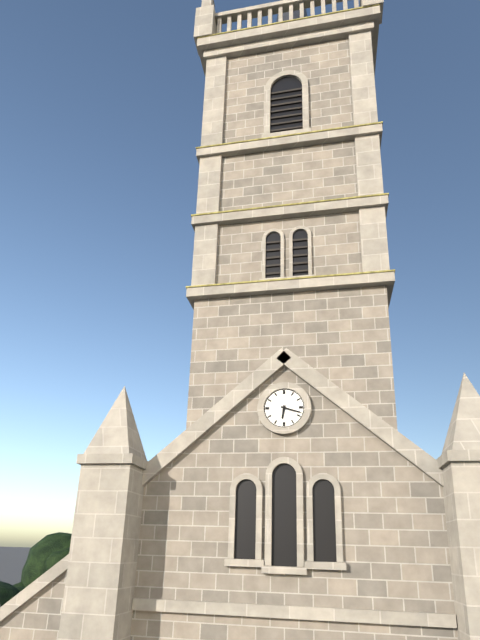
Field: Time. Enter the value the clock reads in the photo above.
6:18
